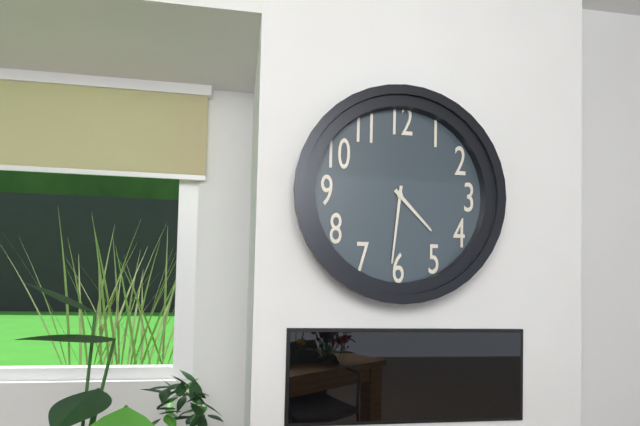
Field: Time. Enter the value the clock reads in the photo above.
4:31
